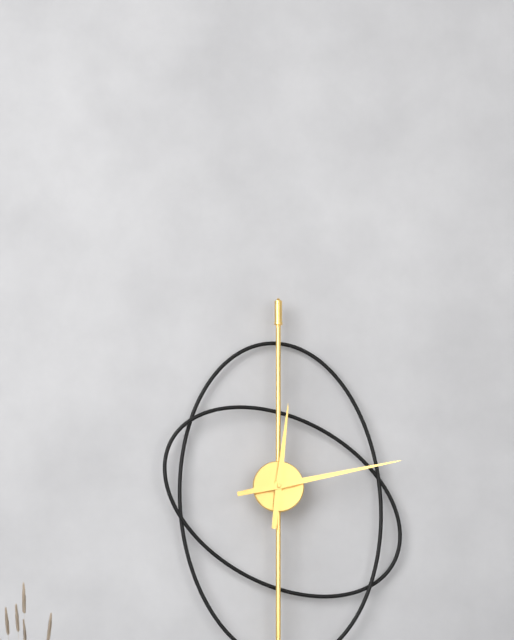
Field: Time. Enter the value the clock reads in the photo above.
12:13
